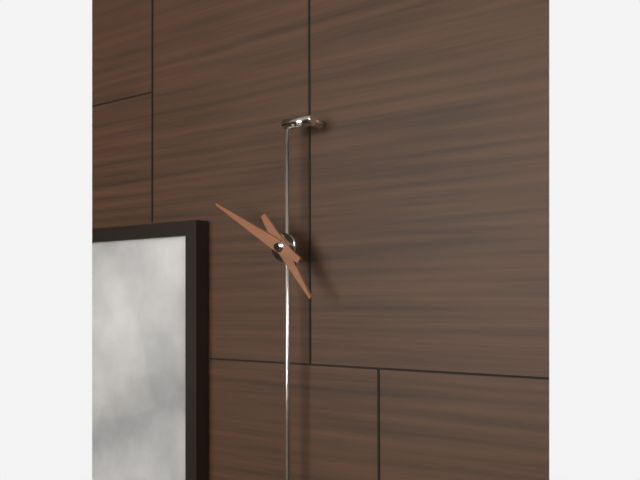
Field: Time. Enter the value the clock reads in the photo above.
4:50
